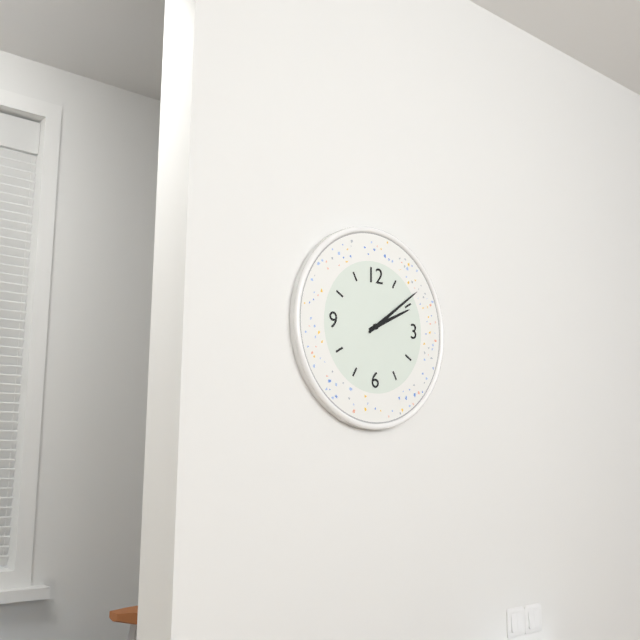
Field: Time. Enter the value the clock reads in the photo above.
2:09
